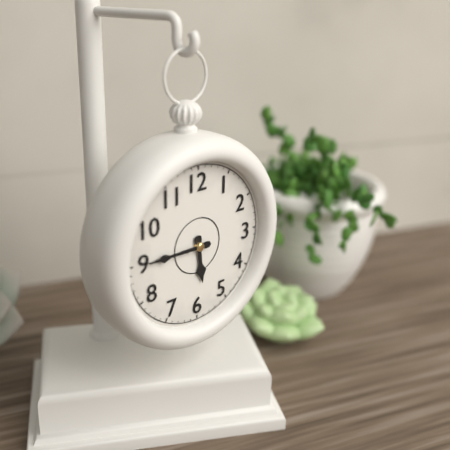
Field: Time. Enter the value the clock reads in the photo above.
5:45
